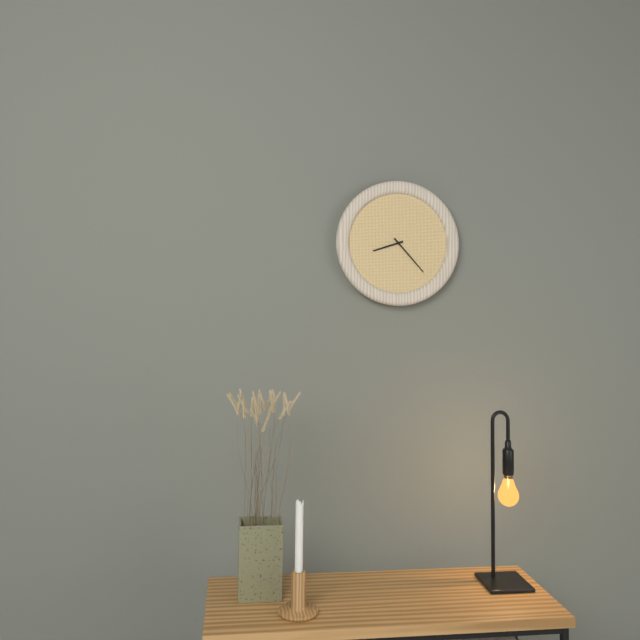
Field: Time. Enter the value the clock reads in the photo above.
8:23
